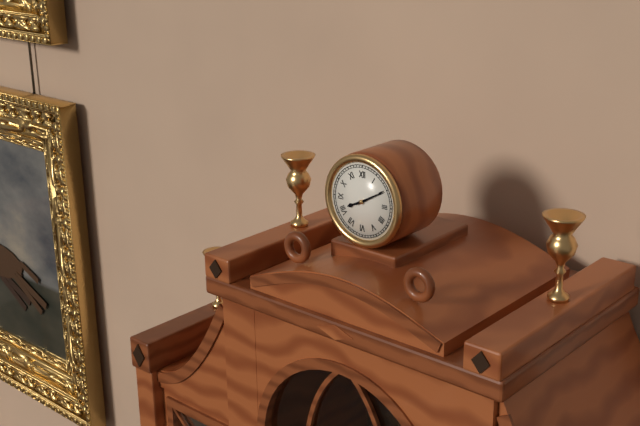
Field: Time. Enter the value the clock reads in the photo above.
8:10
